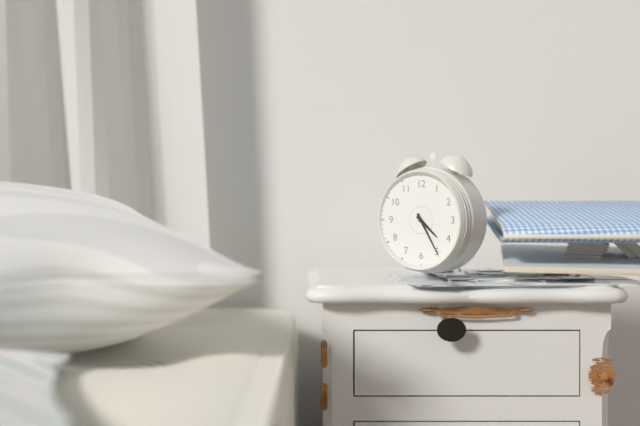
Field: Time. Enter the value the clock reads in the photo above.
4:25
